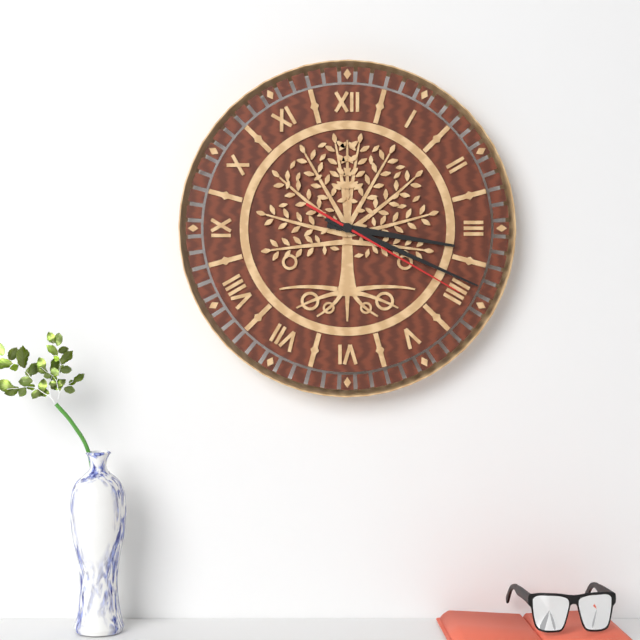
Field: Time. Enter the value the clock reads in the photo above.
3:19:20
